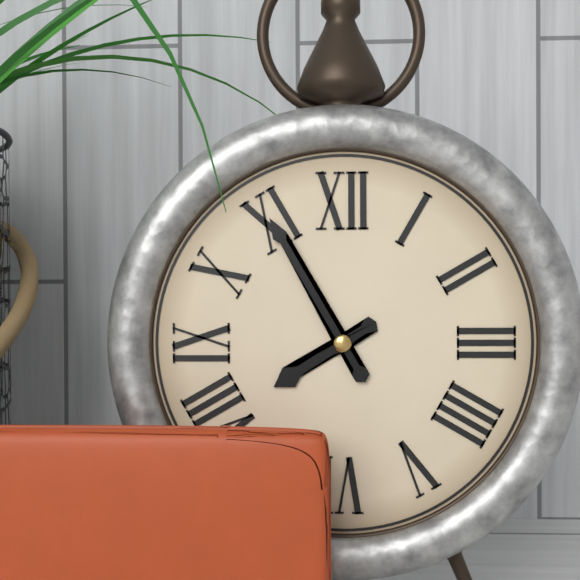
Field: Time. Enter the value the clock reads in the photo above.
7:55
